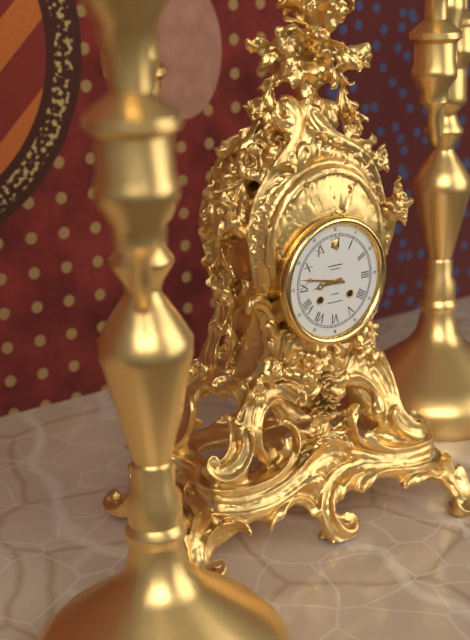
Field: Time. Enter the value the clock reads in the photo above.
8:47
